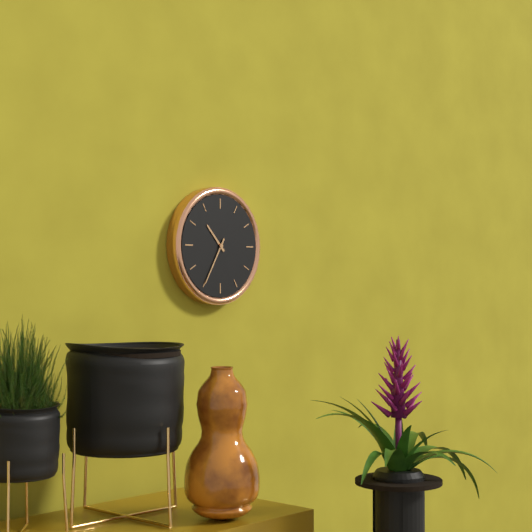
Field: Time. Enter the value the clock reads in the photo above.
10:35
